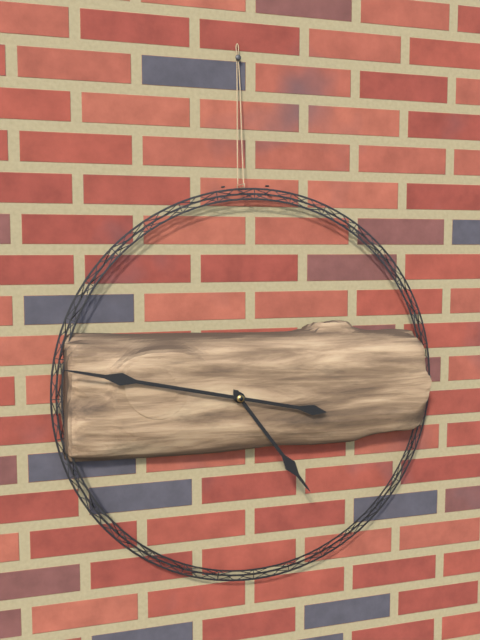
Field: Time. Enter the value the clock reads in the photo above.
4:47
